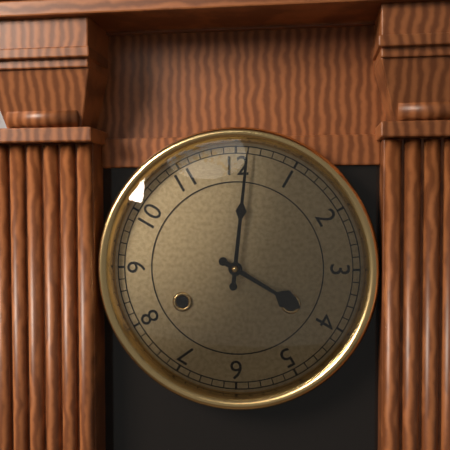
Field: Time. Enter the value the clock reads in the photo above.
4:01
